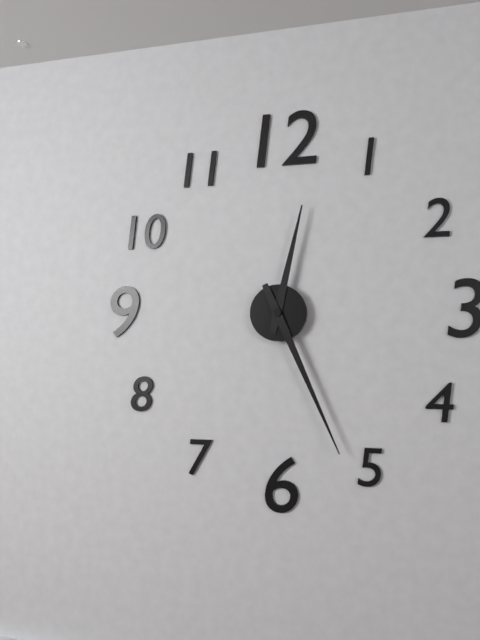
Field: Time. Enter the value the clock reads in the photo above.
12:26
